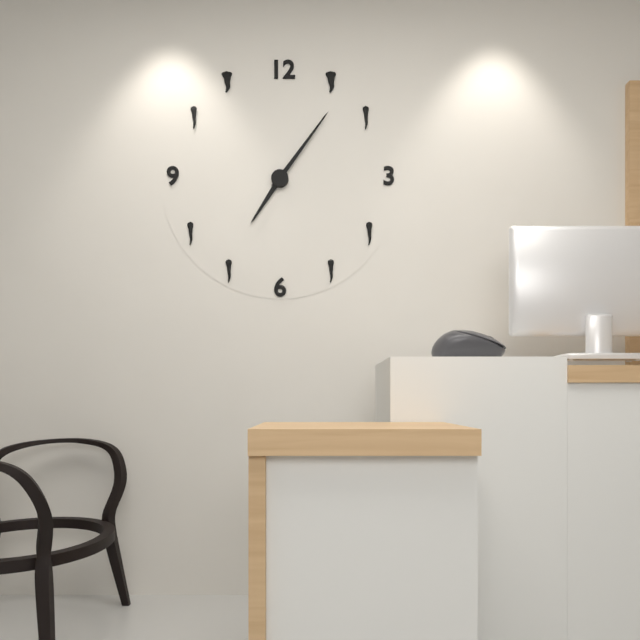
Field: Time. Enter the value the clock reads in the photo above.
7:06
